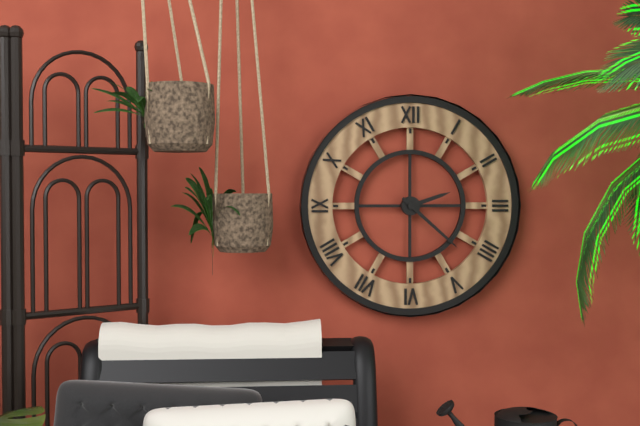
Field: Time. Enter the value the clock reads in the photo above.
2:22
